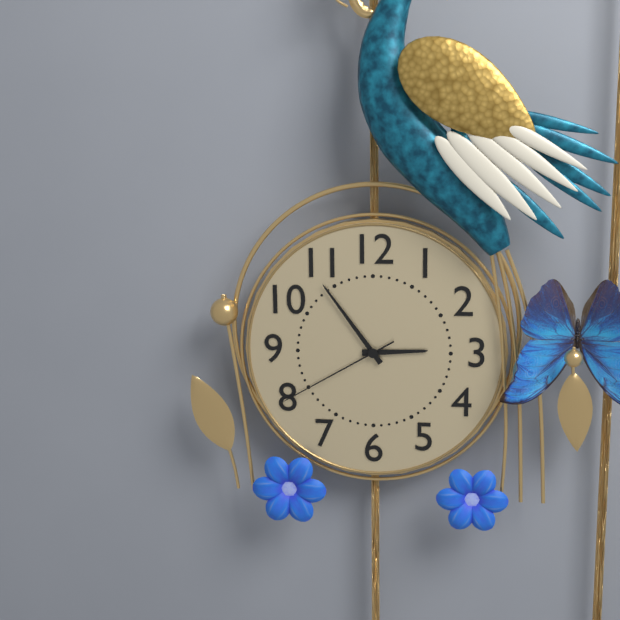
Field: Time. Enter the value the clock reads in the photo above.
2:54:40
